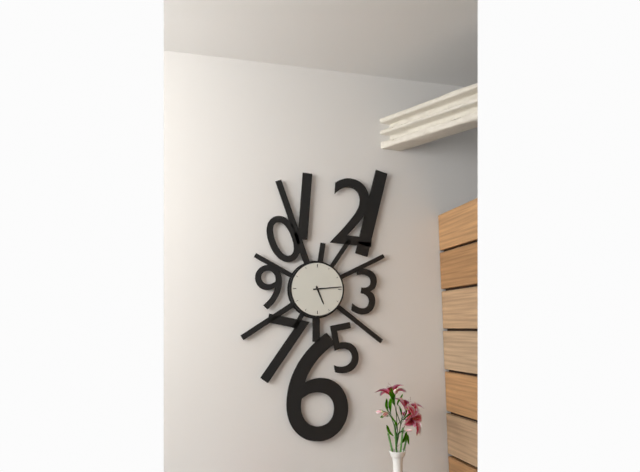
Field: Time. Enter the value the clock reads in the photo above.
5:14
